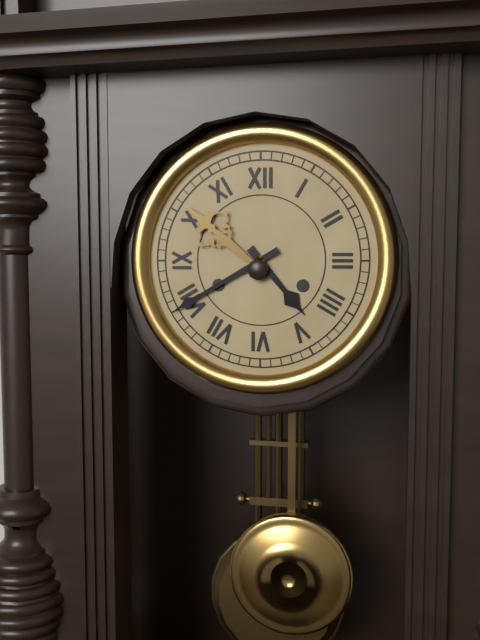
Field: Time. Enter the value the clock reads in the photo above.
4:40
